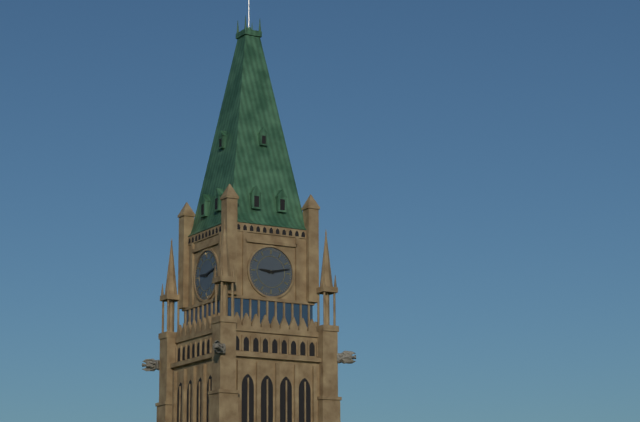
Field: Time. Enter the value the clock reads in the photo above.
9:13
